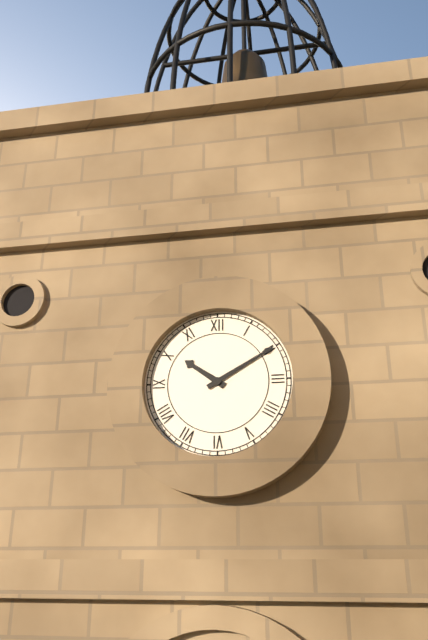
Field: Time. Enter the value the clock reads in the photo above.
10:10
